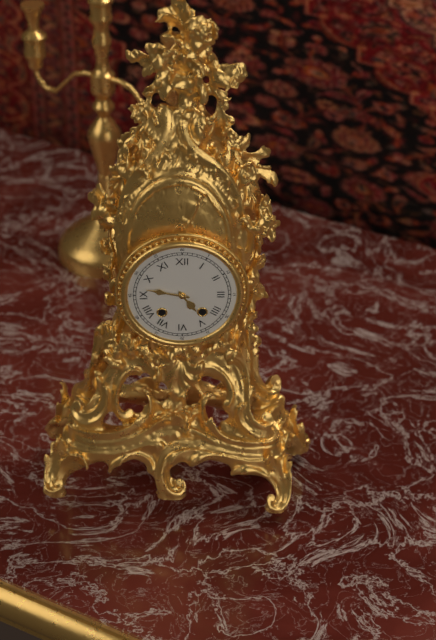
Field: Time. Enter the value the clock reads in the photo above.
4:47
